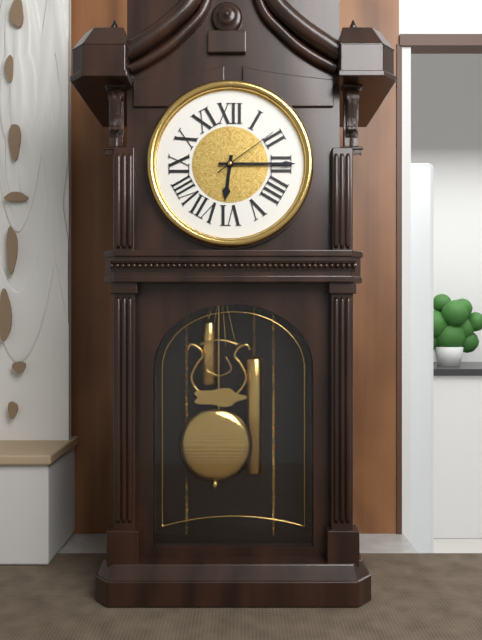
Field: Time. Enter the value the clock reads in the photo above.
6:15:09
